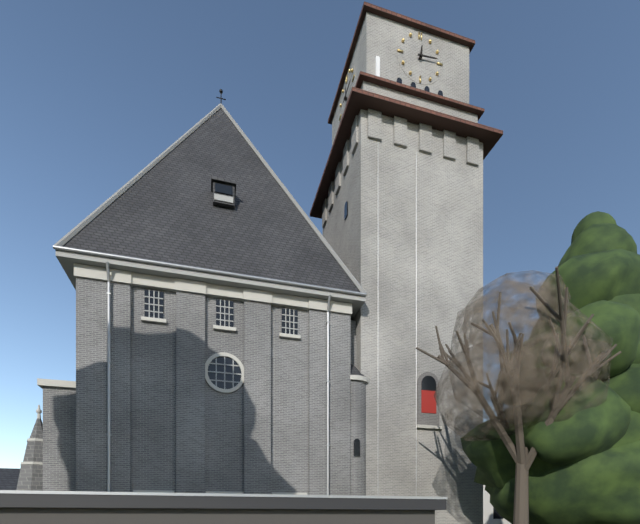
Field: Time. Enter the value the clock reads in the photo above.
12:14
